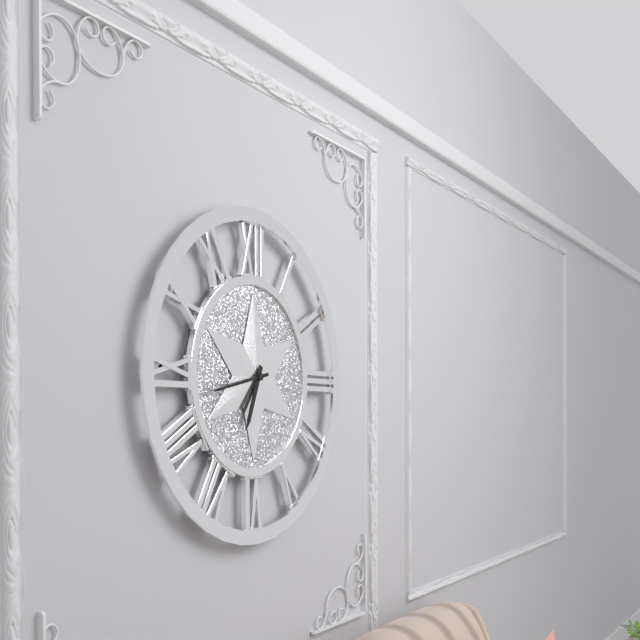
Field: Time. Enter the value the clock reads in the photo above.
6:43
